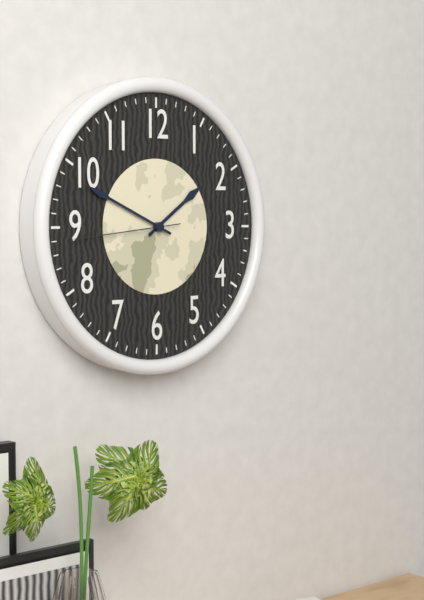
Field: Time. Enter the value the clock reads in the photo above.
1:49:44
